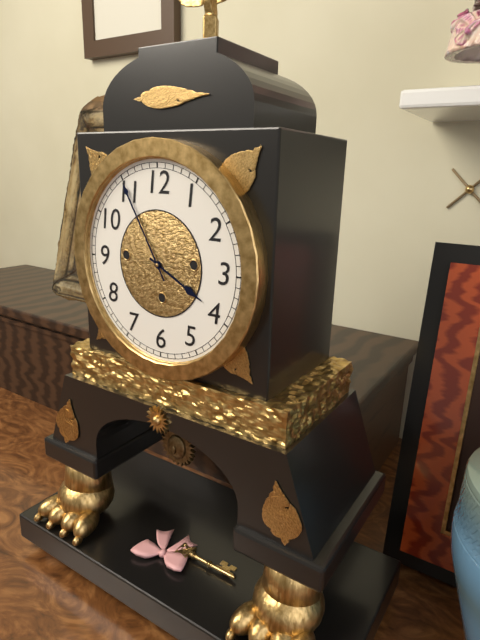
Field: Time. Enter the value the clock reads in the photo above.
3:55
